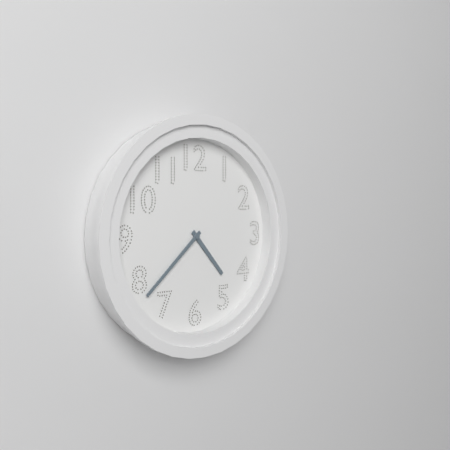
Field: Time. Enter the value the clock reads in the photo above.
4:38
